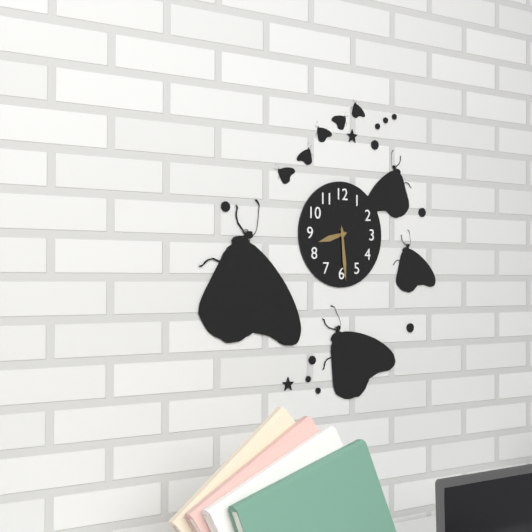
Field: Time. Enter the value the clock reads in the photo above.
8:29
